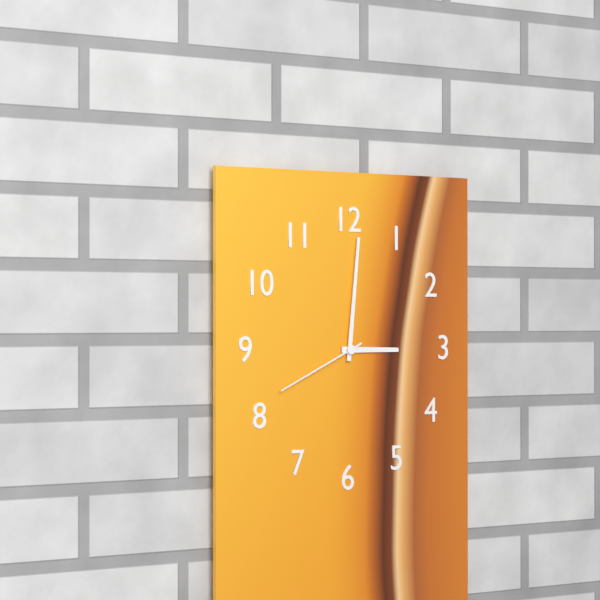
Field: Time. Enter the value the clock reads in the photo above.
3:01:41
